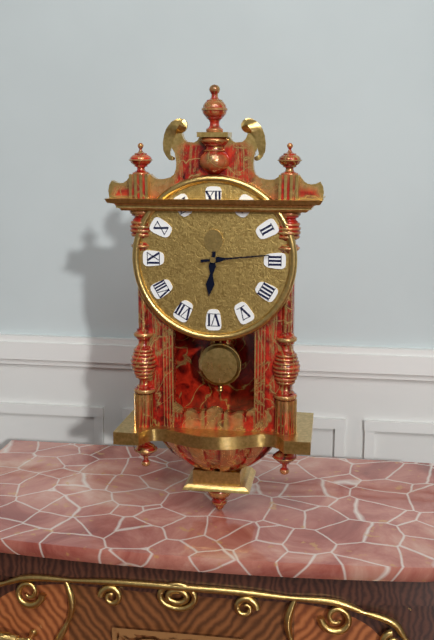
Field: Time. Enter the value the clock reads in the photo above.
6:14
